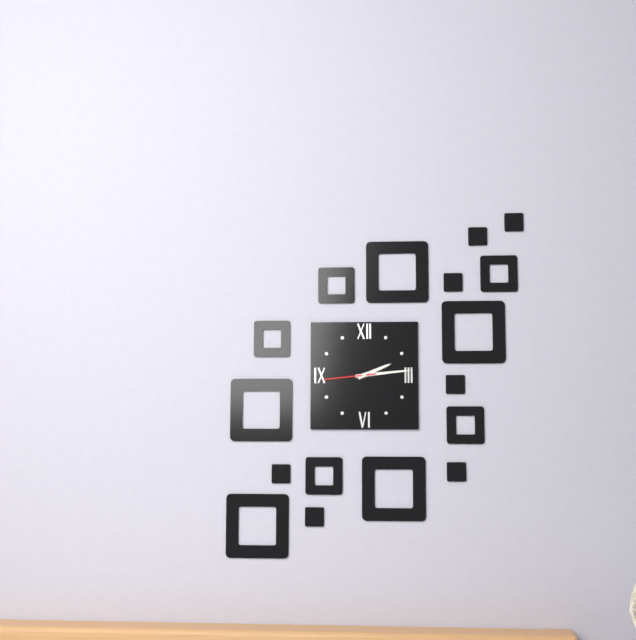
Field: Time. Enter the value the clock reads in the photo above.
2:14:44
